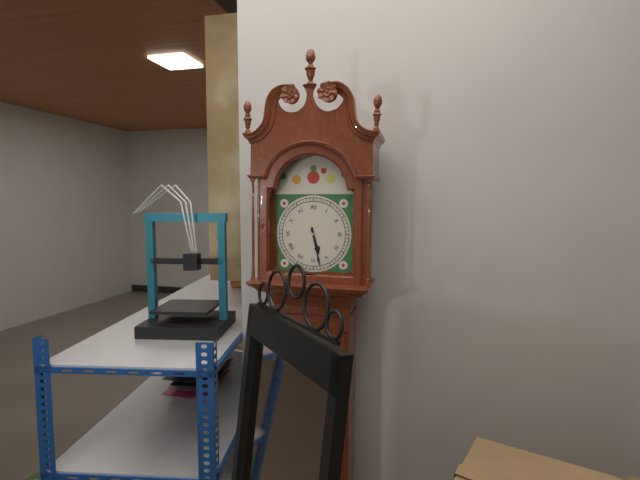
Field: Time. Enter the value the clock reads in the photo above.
5:28
